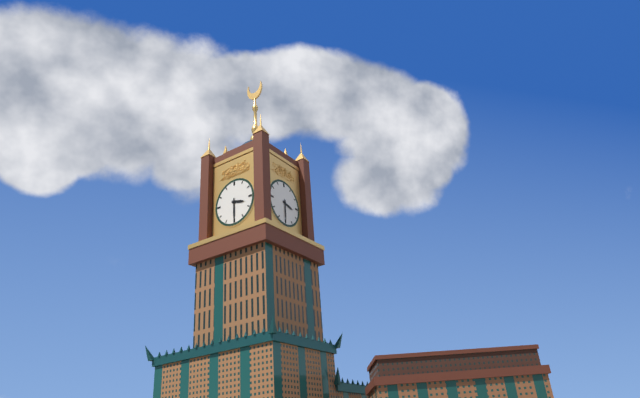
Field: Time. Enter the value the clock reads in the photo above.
3:30
